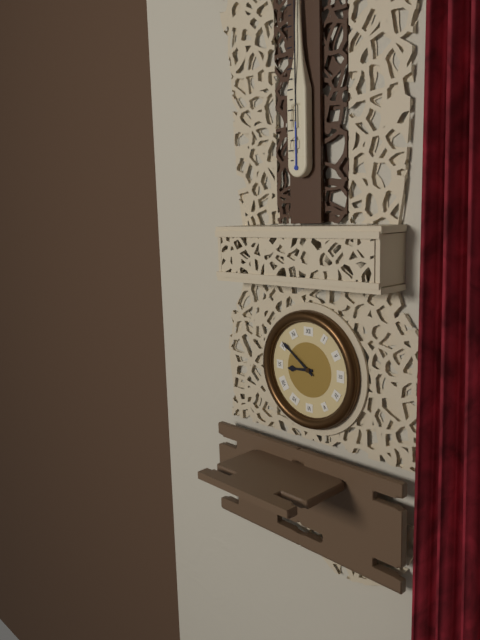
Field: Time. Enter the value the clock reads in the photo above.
8:51
